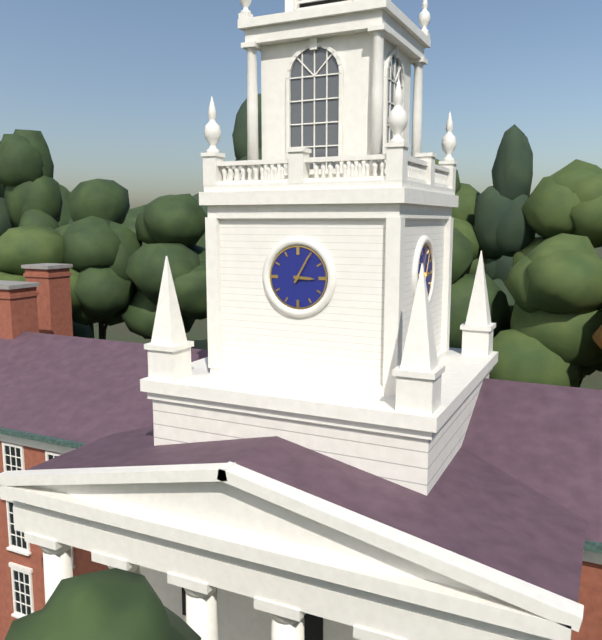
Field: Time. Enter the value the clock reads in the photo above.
3:05
